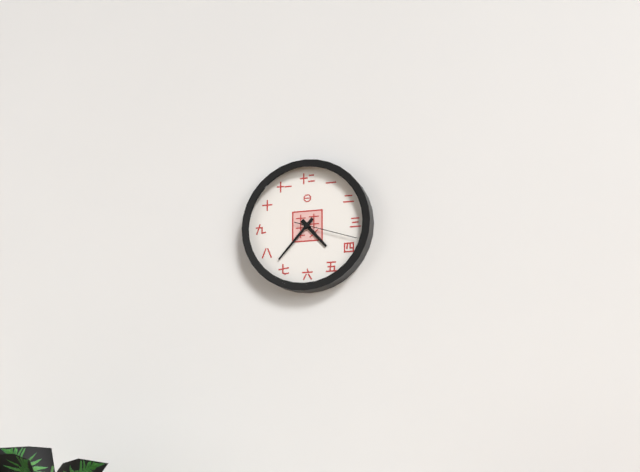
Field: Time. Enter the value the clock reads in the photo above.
4:37:18
